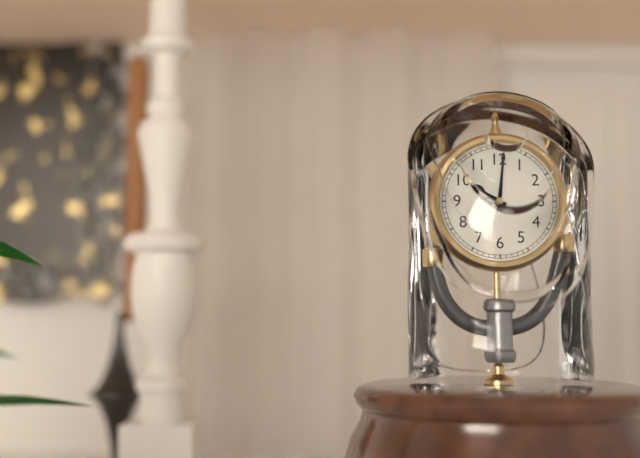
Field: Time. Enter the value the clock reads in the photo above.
10:01
